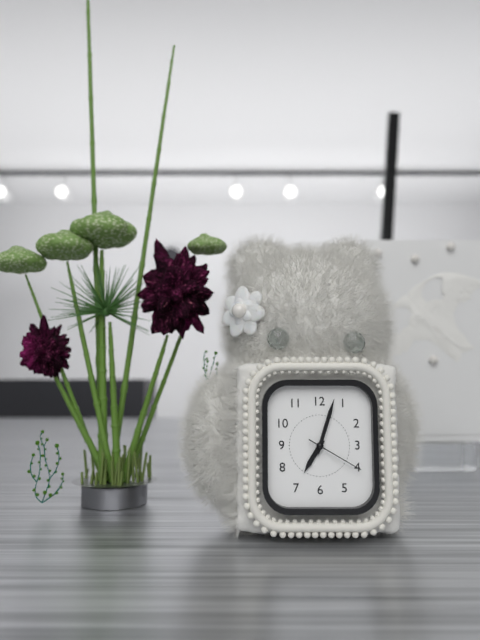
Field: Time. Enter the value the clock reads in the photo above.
7:03:20
